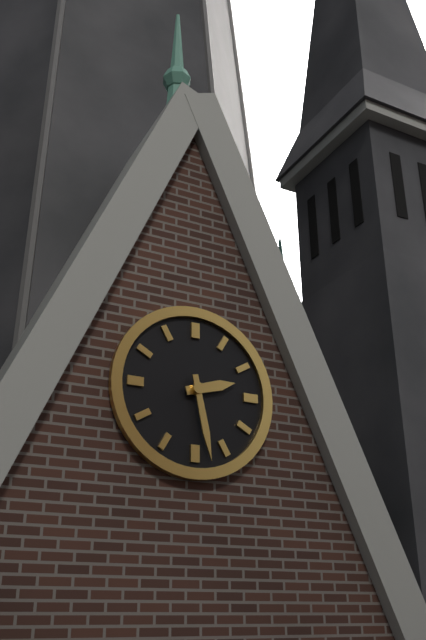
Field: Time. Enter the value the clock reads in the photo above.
2:28
